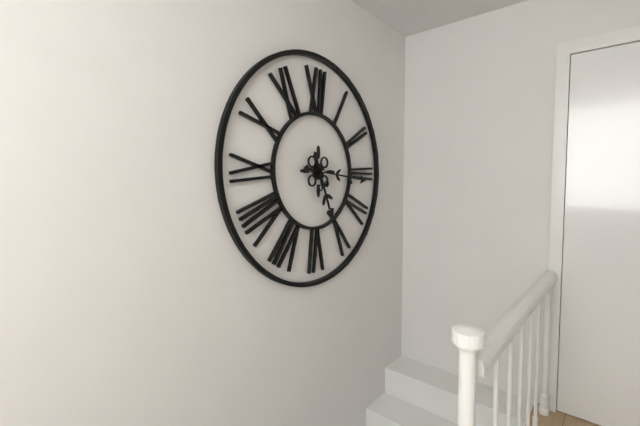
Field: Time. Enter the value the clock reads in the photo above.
5:16
